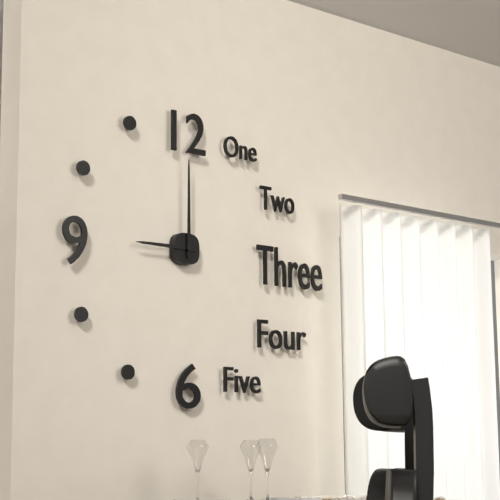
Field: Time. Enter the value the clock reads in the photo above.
9:00
